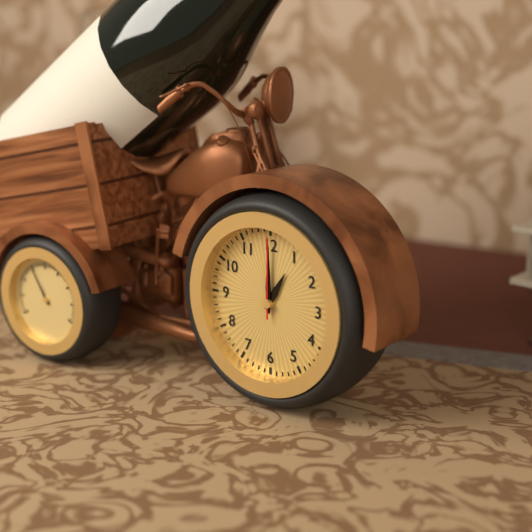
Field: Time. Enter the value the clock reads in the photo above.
1:00:00
